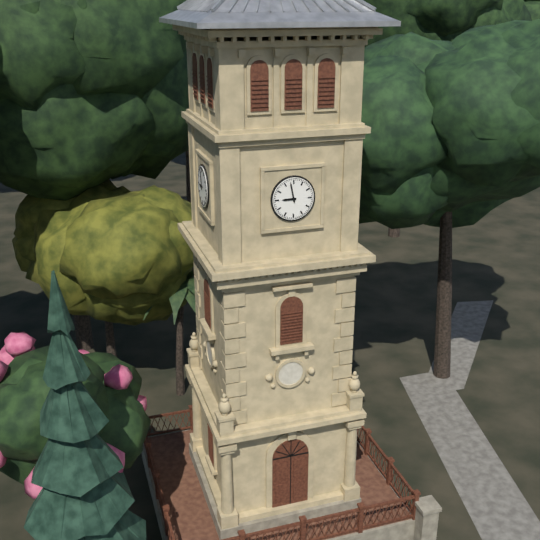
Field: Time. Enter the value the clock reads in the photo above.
8:58
